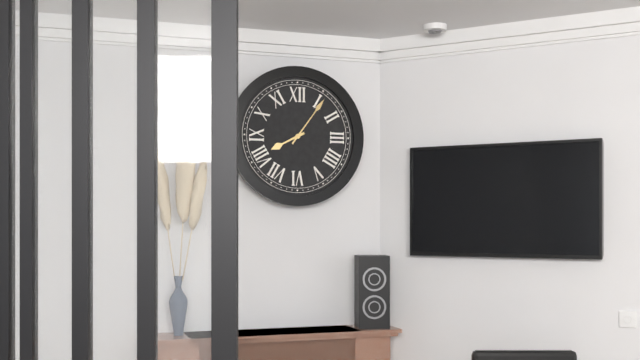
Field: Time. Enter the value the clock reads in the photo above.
8:06
